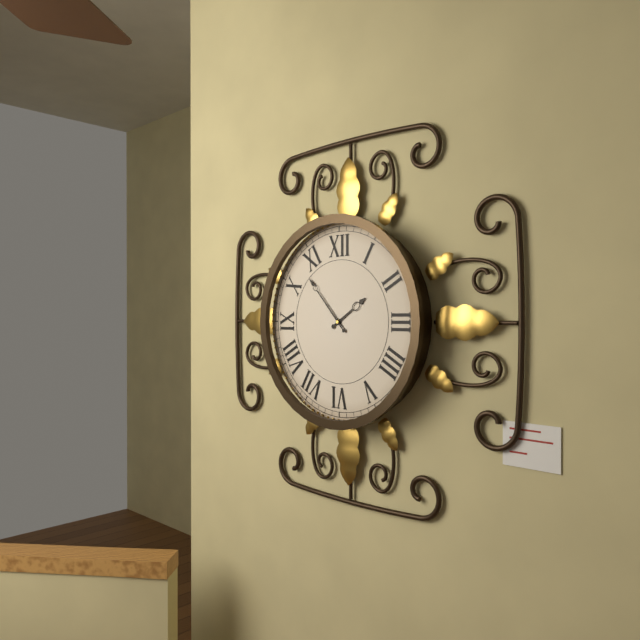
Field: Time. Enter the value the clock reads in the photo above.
1:53
